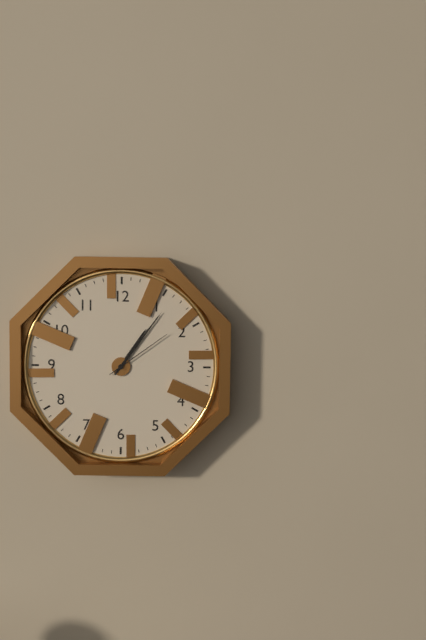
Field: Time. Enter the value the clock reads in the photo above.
1:06:09
